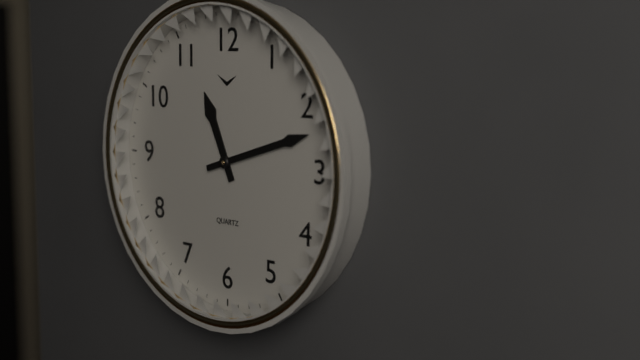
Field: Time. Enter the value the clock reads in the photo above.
11:12
